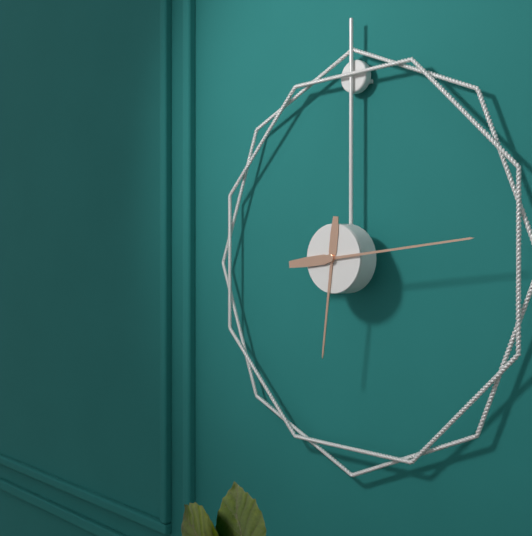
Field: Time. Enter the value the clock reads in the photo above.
6:14
